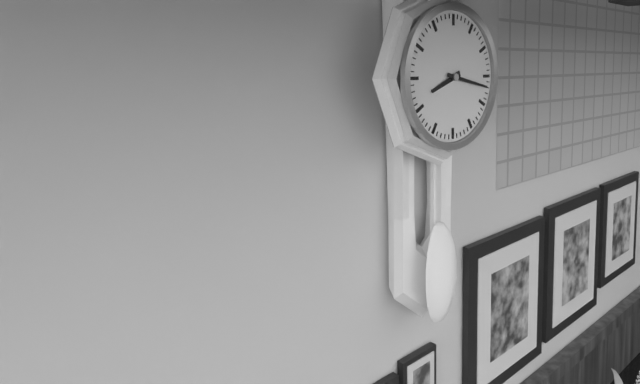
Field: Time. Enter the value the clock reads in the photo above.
8:17
